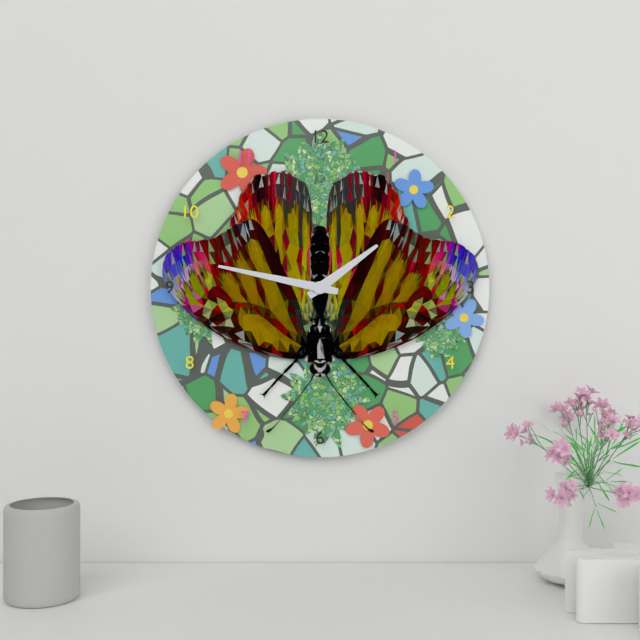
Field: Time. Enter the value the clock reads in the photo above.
1:47
